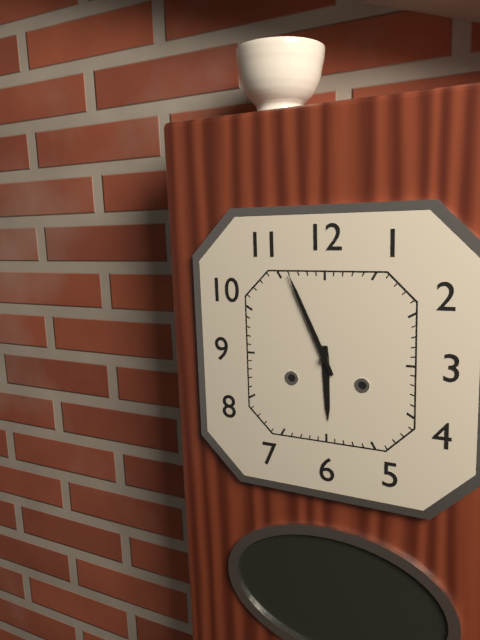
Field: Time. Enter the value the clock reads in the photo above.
5:56
